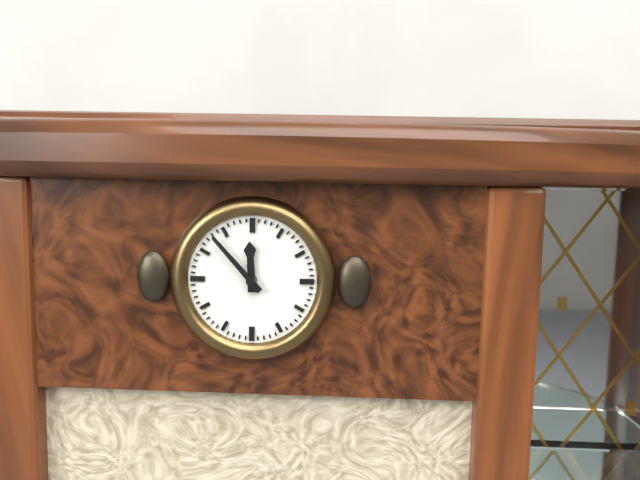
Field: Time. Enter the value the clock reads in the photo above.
11:53
